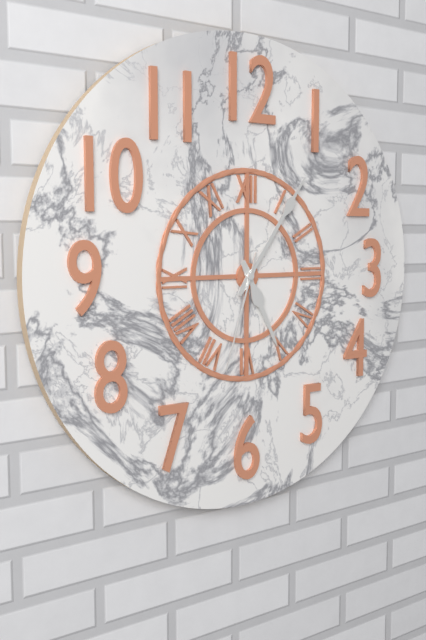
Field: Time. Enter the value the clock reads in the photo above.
5:06:33
